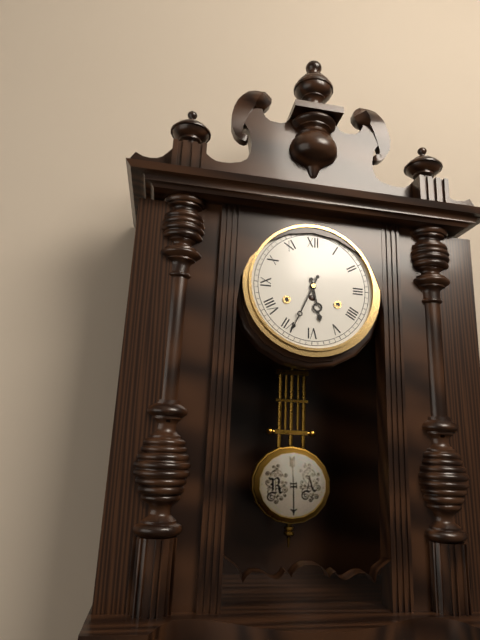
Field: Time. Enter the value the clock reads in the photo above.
5:34
